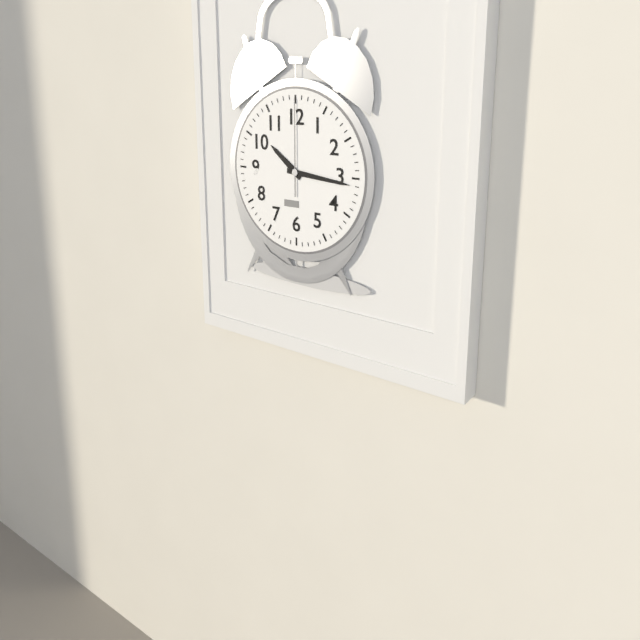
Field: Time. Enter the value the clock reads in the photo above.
10:16:00
